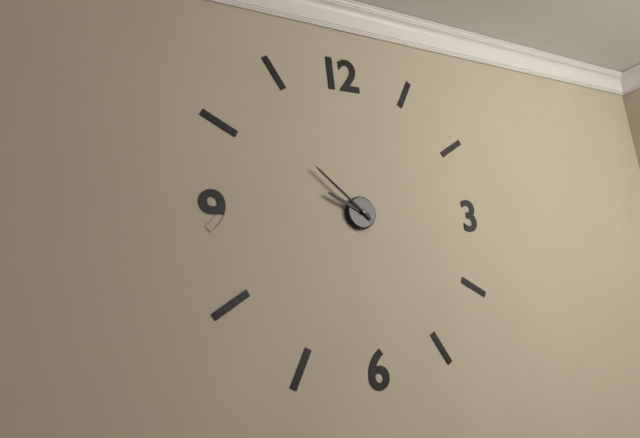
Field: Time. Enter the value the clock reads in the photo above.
9:52:52
